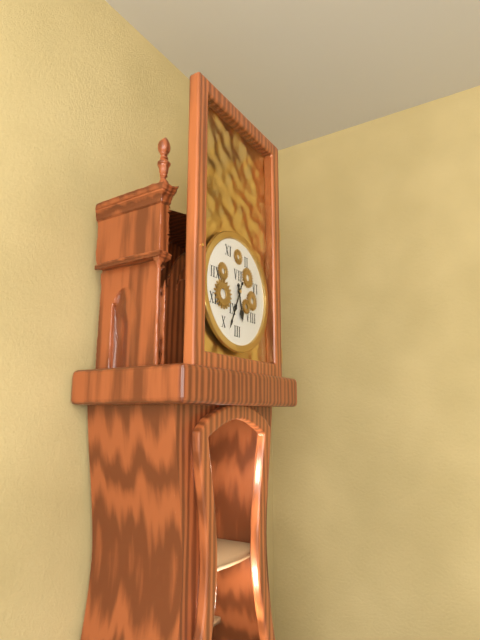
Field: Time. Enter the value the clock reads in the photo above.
5:34
